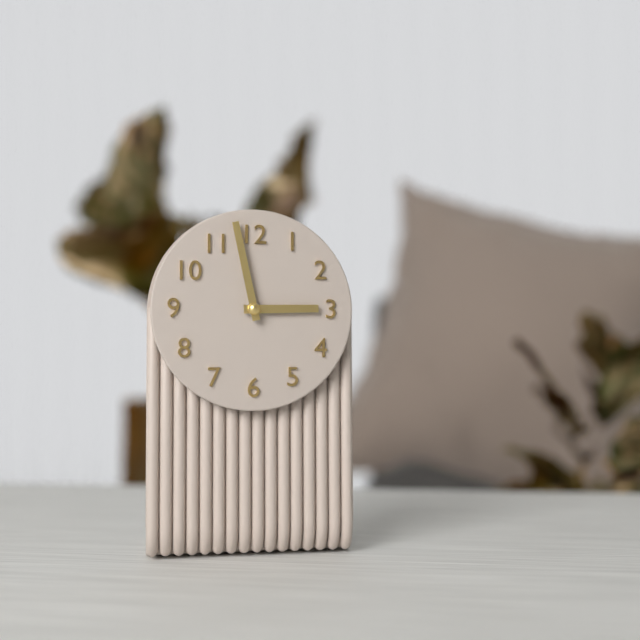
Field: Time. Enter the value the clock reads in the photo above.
2:58
